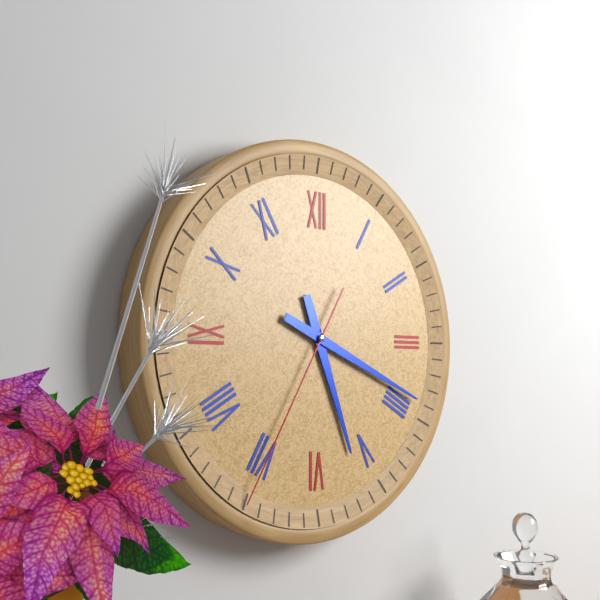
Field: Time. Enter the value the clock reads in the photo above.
5:19:35
